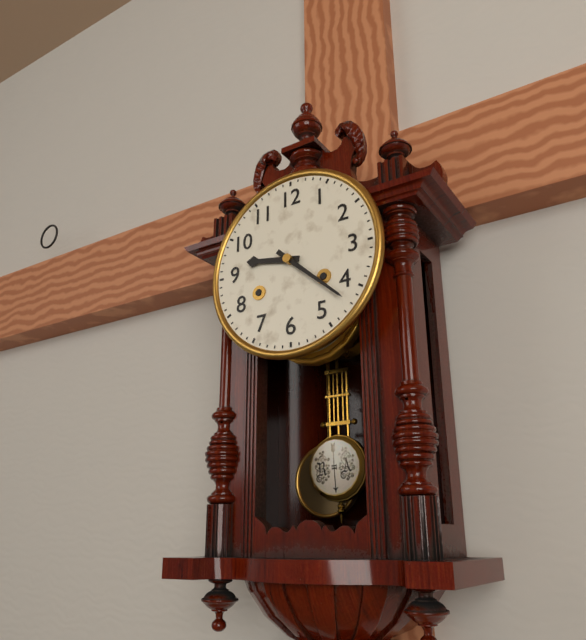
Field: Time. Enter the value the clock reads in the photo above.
9:22
